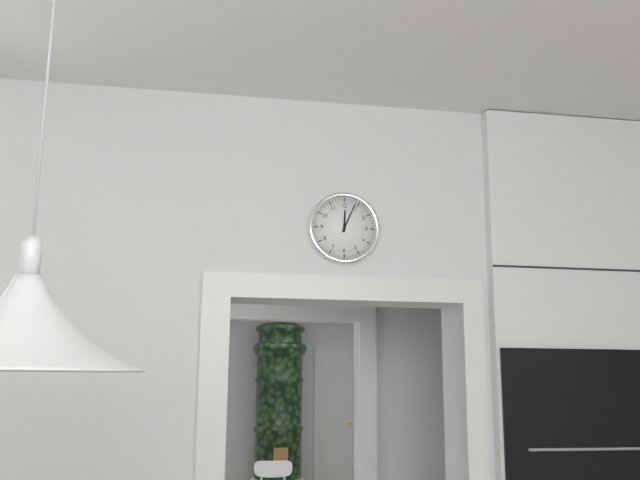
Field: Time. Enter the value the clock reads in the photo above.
12:04
